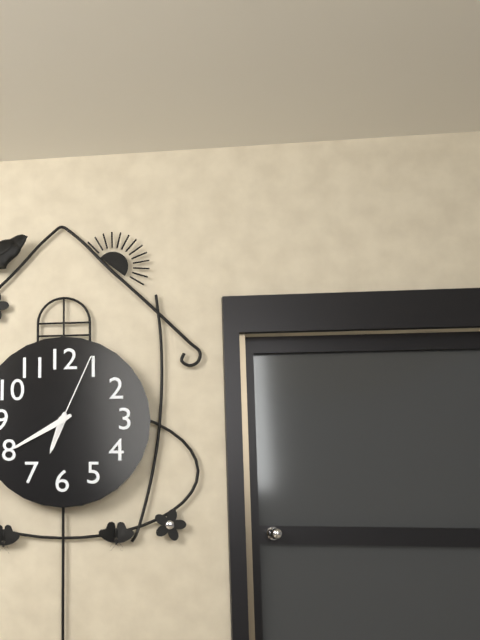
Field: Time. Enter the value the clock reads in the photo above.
6:40:04
